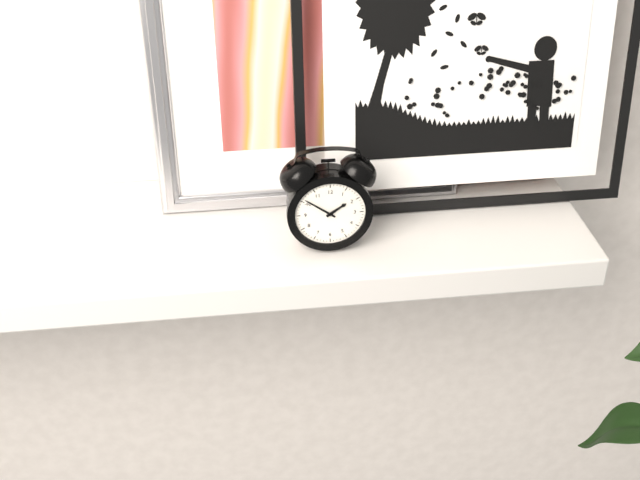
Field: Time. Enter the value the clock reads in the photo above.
1:51
